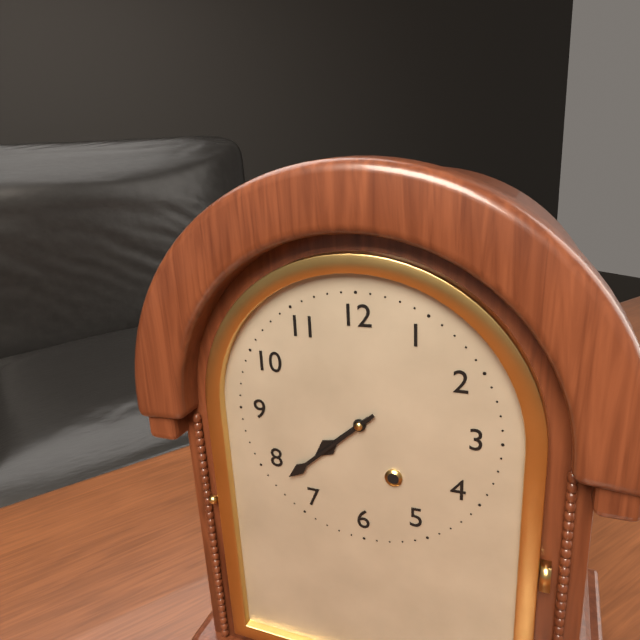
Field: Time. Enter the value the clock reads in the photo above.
7:38
